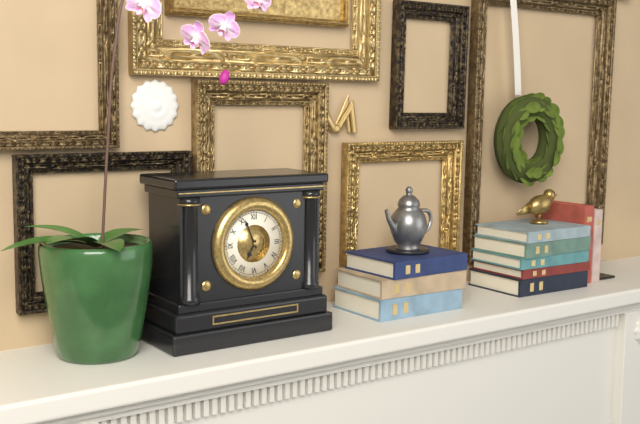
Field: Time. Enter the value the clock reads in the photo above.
6:56
